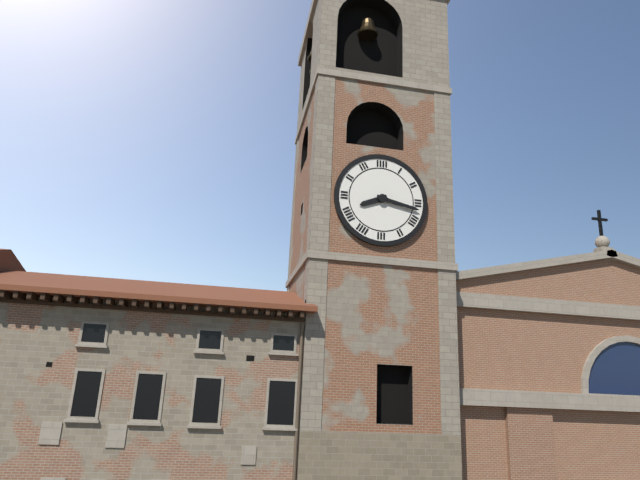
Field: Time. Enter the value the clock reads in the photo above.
8:17
